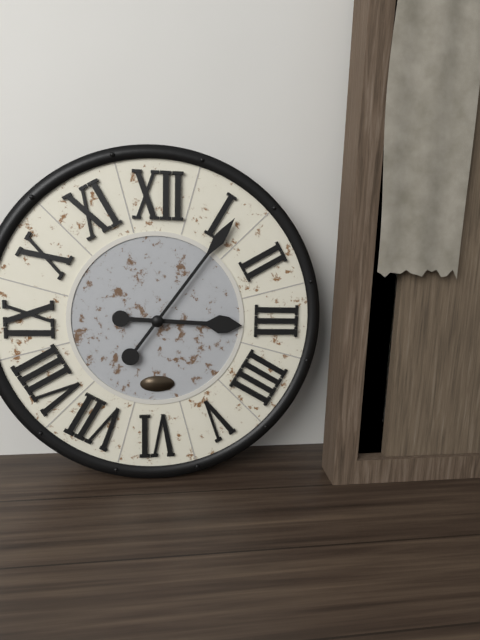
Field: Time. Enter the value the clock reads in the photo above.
3:06
